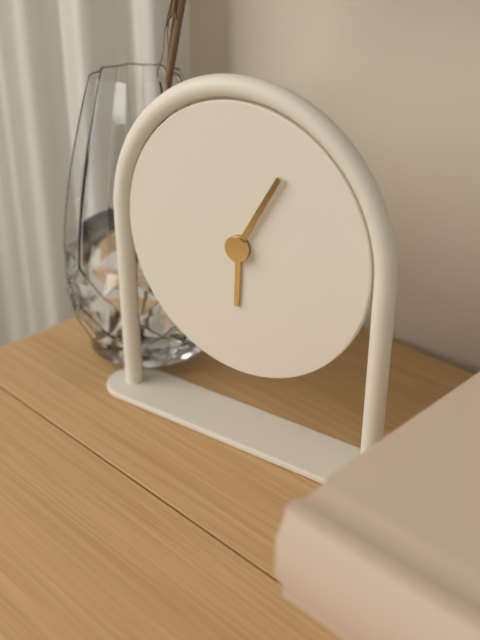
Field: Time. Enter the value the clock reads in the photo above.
6:05
